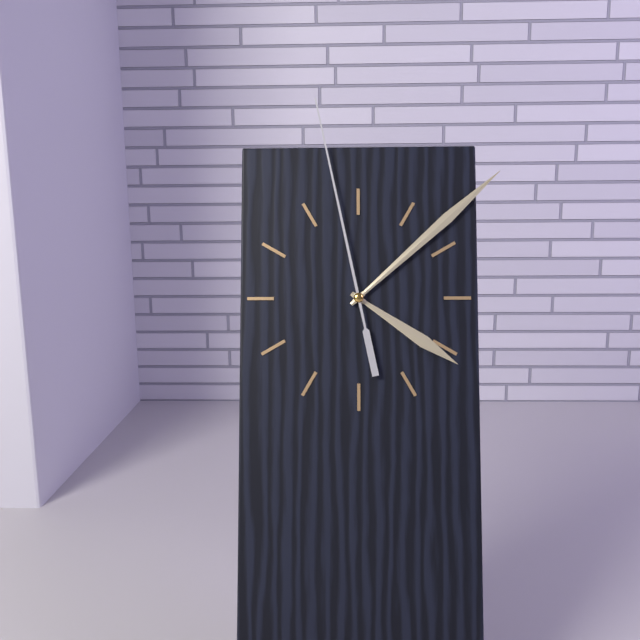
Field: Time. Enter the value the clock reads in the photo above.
4:08:58
